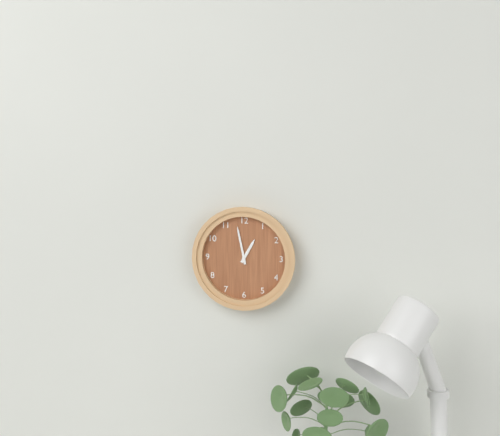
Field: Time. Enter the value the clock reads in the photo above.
12:58
